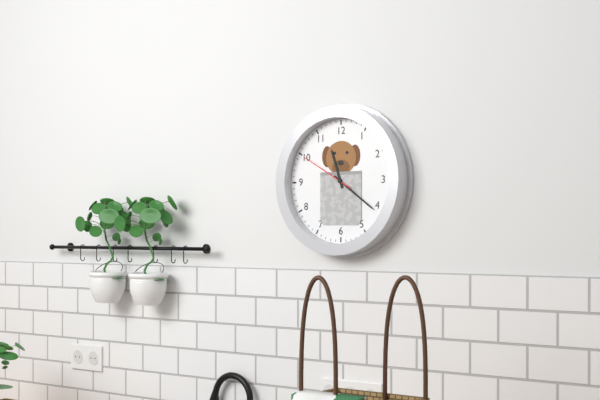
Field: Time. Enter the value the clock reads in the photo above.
11:21:50
